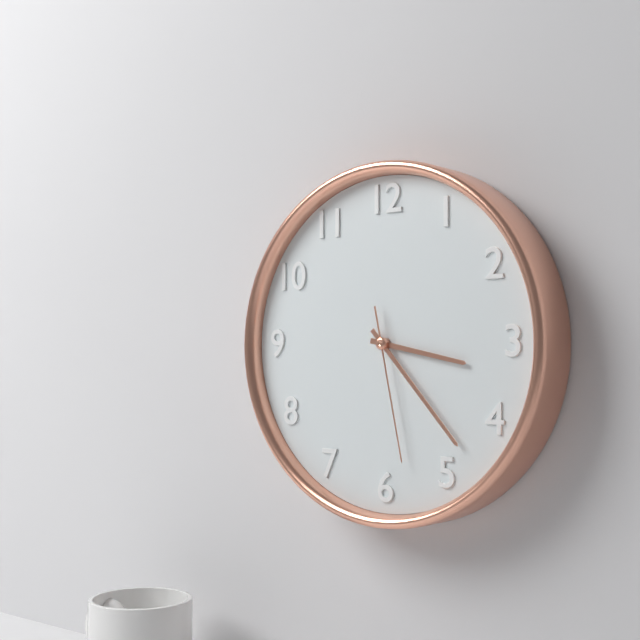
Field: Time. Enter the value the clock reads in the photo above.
3:23:28
